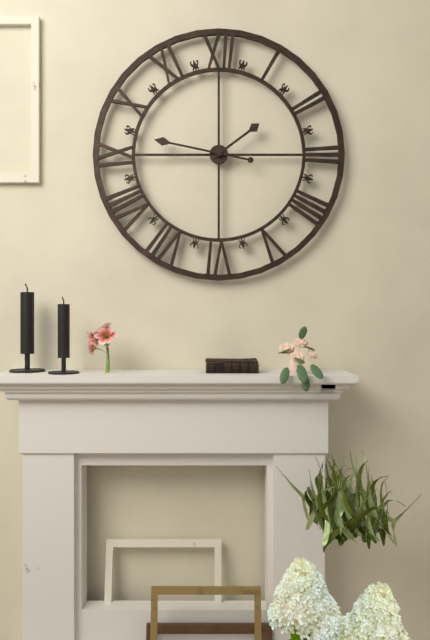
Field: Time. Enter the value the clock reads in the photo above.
1:47
